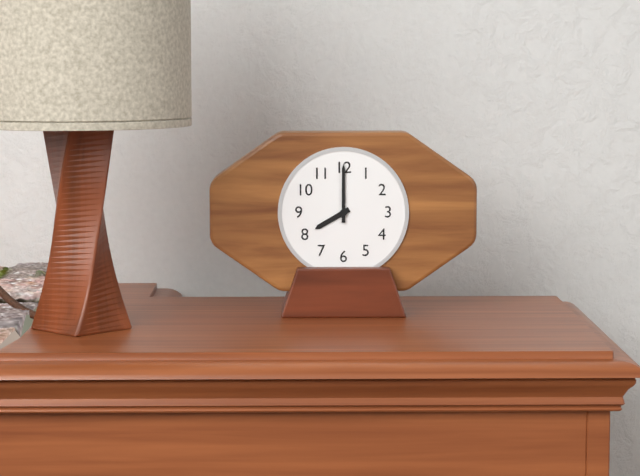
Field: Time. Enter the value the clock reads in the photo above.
8:00
